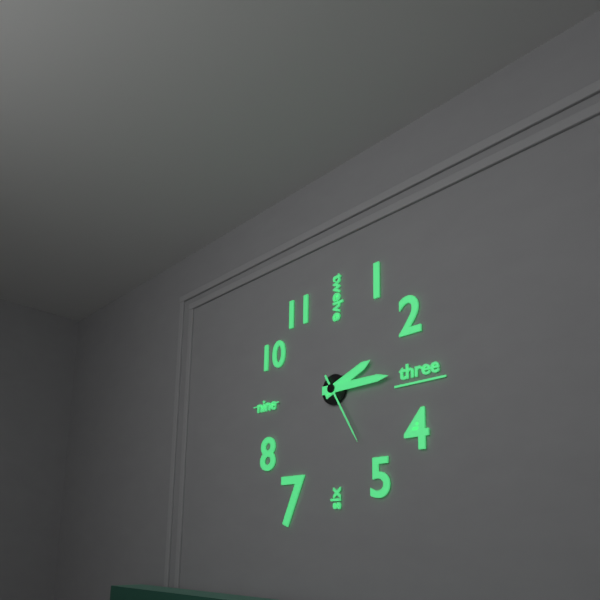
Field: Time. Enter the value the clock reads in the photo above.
2:15:25
